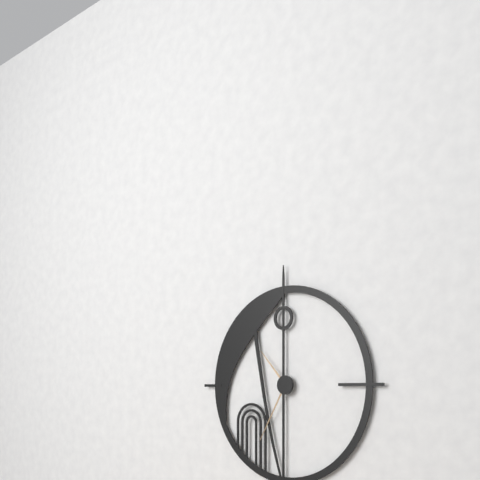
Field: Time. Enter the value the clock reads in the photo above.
10:35
